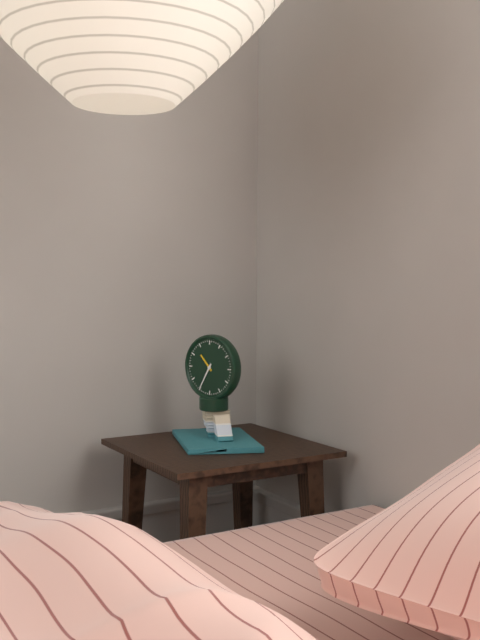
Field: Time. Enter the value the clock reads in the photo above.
10:35
